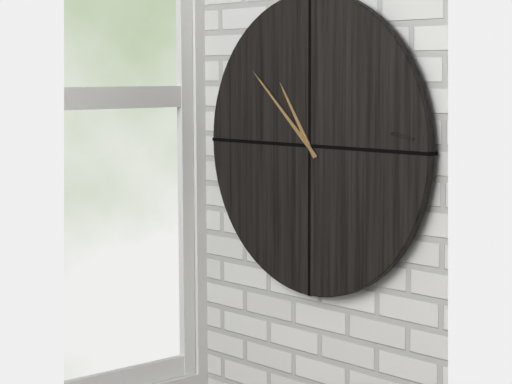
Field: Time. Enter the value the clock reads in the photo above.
10:52
